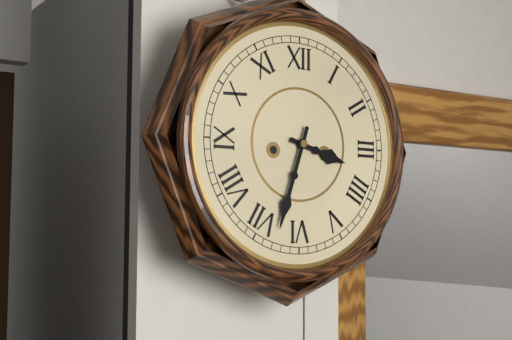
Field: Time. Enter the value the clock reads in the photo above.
3:33
